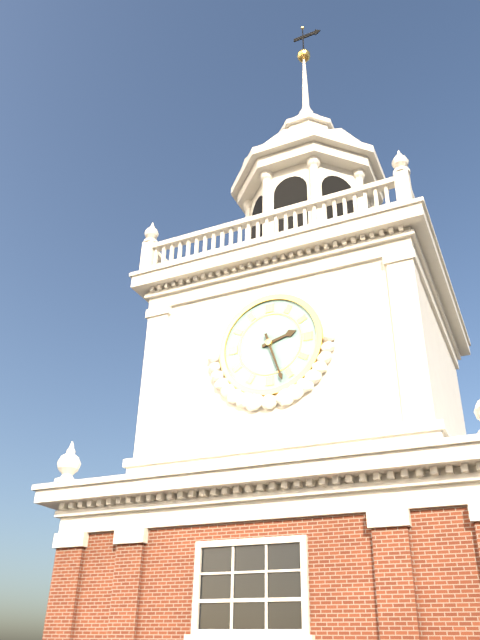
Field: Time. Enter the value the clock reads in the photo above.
2:27
